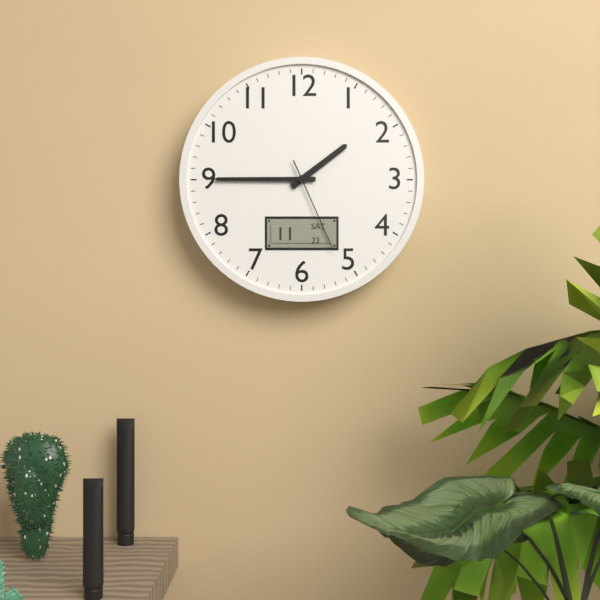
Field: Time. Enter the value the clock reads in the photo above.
1:45:26
